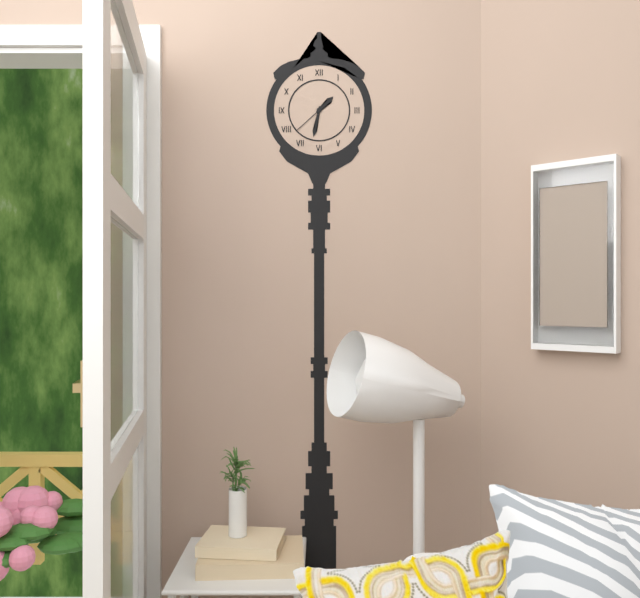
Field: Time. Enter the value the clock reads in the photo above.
1:32
